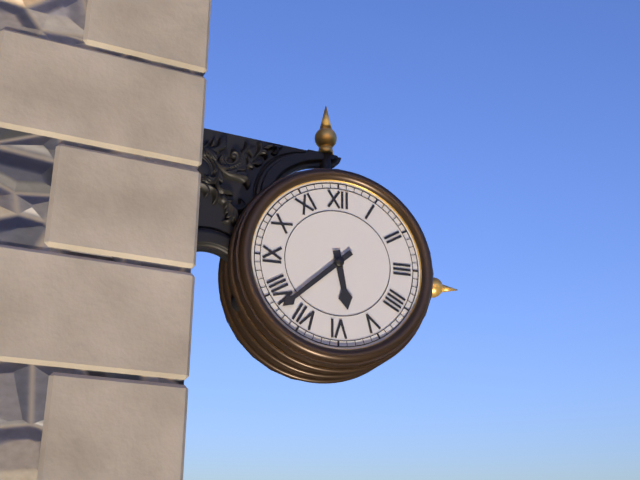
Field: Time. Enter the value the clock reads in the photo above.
5:38
